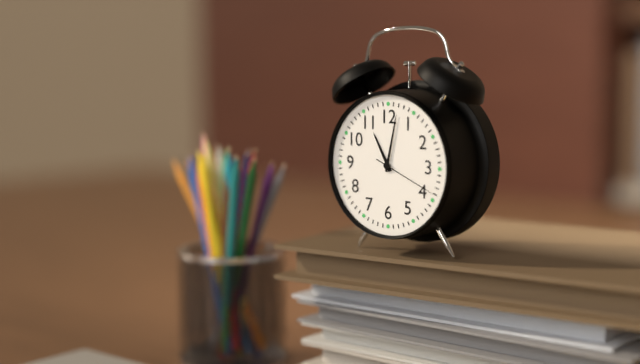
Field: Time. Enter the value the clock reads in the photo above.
11:02:19
